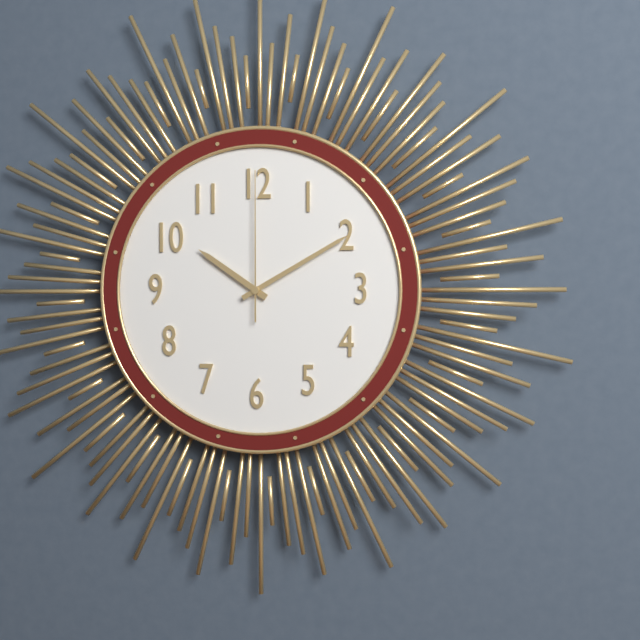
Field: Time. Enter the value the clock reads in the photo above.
10:10:00
